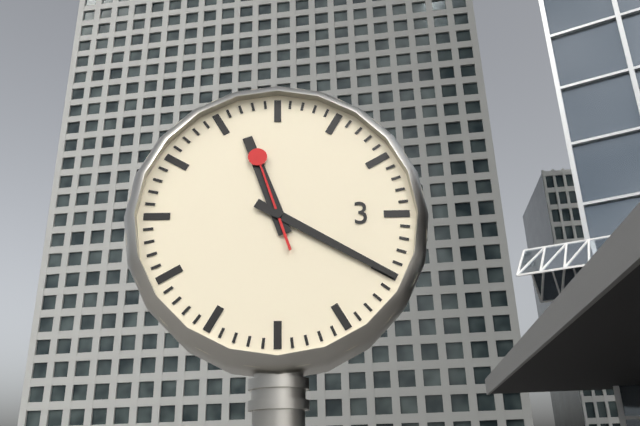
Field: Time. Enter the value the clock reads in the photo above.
11:20:57
